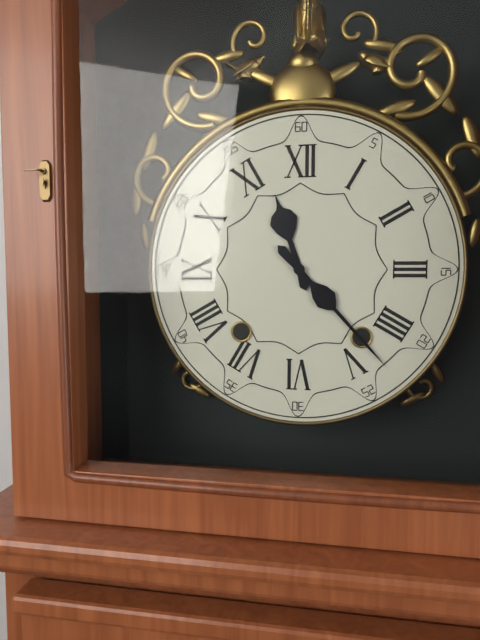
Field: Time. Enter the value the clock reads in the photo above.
11:23
